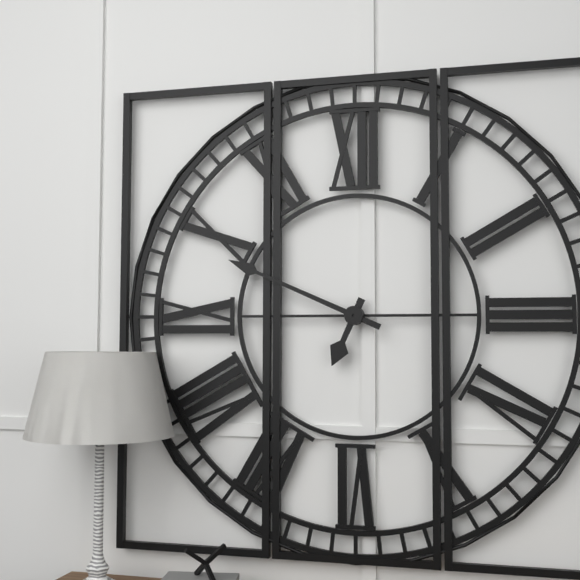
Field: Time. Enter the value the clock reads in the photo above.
6:49
